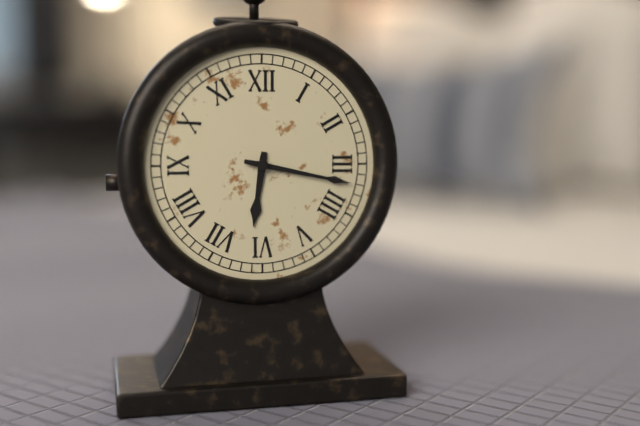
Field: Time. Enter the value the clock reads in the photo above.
6:17
